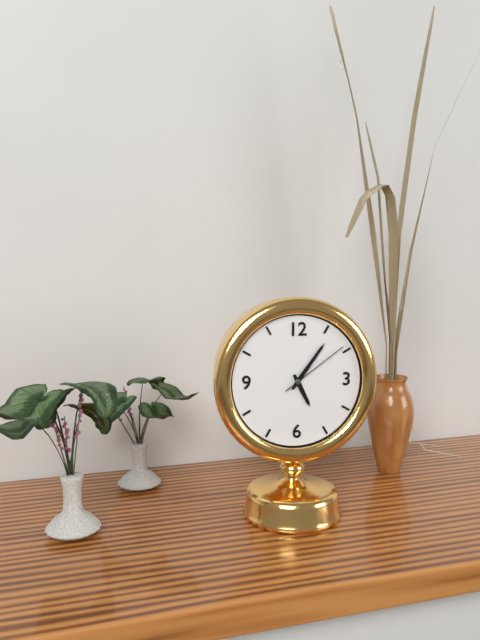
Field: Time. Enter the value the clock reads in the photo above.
5:06:09
